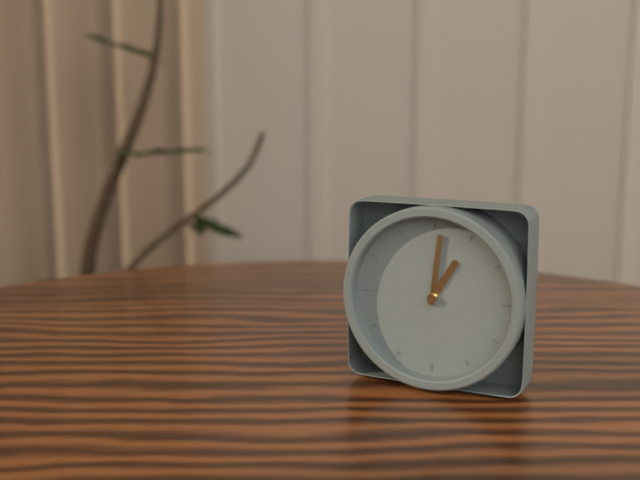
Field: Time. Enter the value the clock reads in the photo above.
1:01
